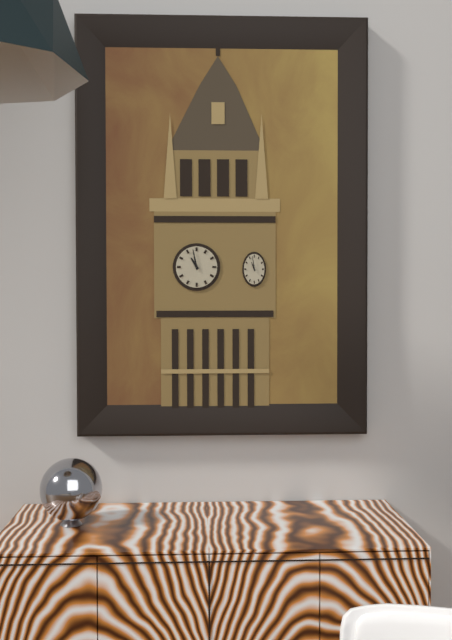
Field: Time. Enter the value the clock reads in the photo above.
10:58
